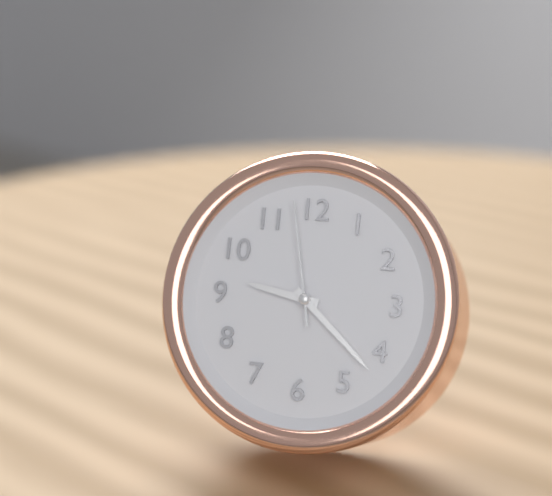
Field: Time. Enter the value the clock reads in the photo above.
9:22:58
